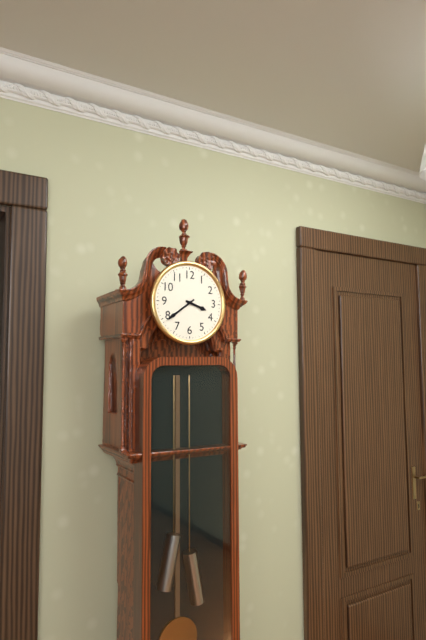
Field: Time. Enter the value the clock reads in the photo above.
3:39
